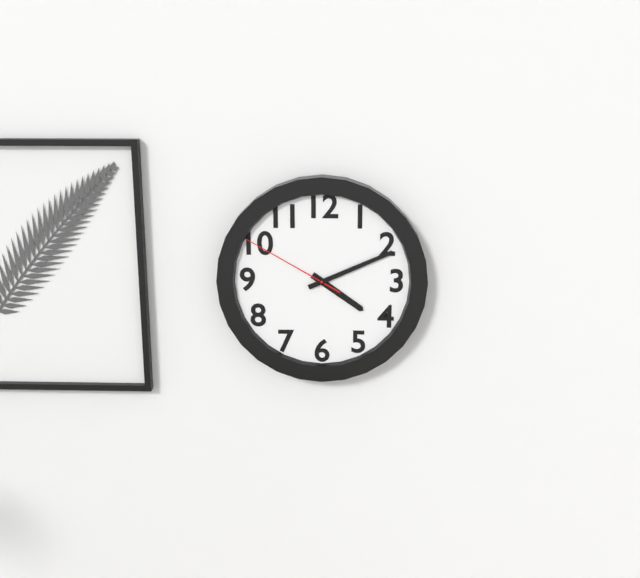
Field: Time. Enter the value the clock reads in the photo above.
4:11:50
